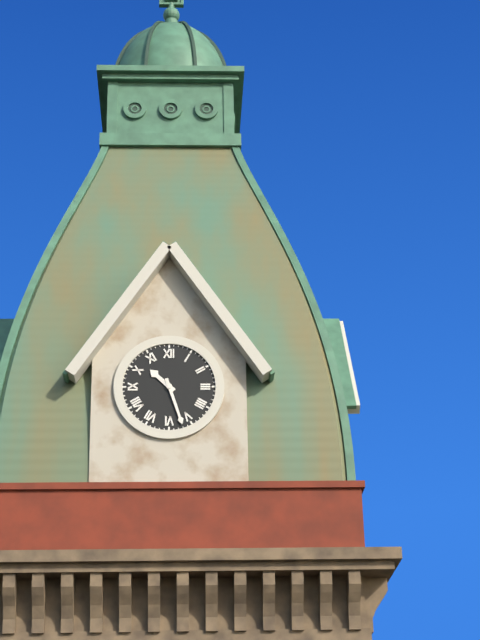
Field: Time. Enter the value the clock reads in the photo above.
10:27
